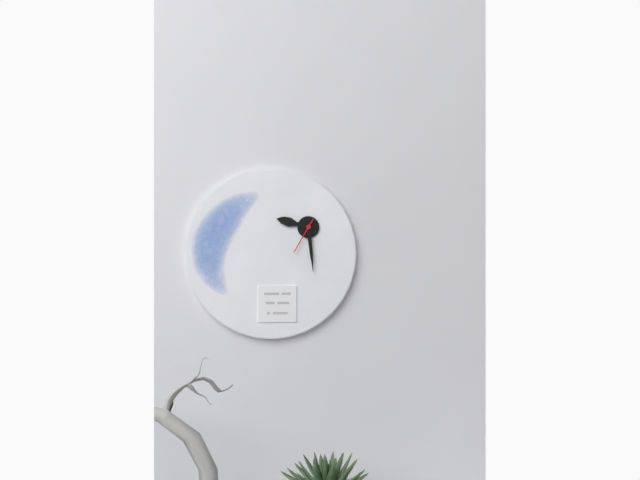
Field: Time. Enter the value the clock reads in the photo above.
9:29
